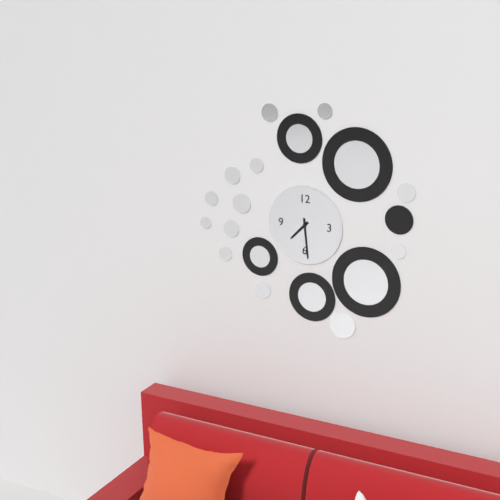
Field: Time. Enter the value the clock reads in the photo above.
7:29
